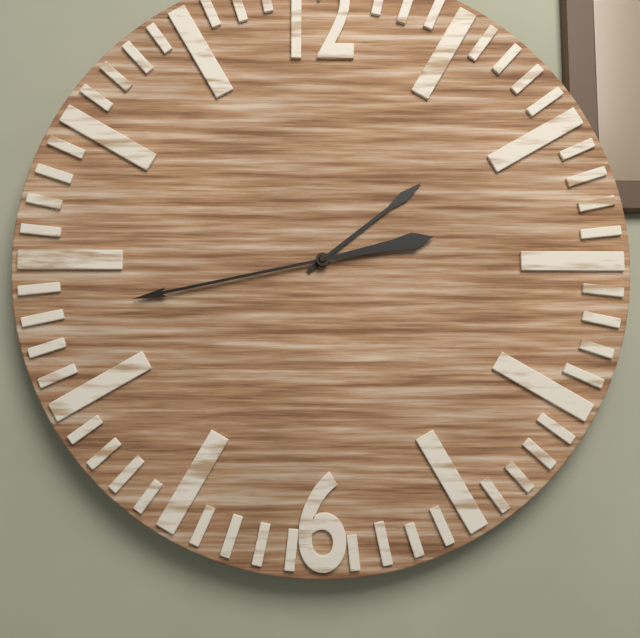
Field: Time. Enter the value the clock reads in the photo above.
1:43
